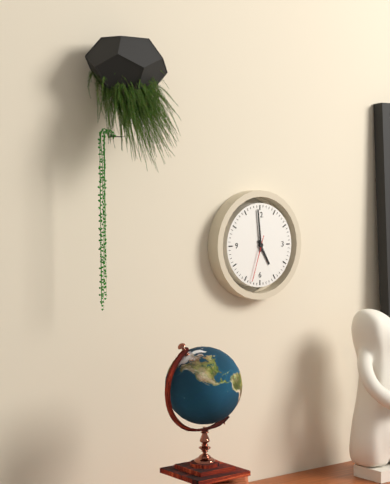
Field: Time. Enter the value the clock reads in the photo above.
4:59
